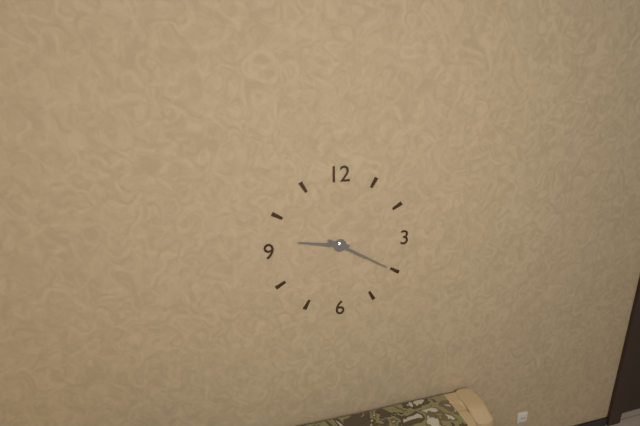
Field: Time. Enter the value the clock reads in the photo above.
9:20
